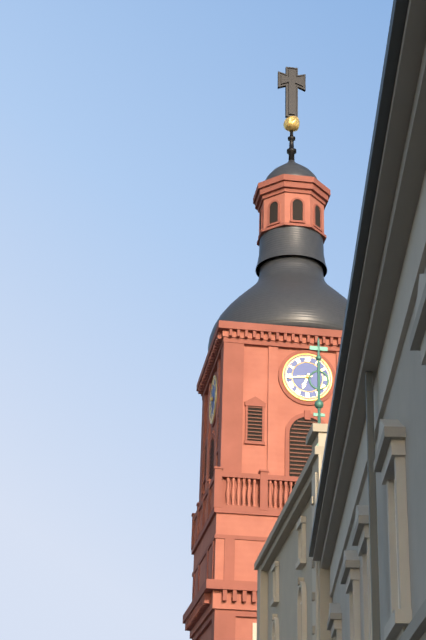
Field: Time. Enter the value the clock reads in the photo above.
6:44
